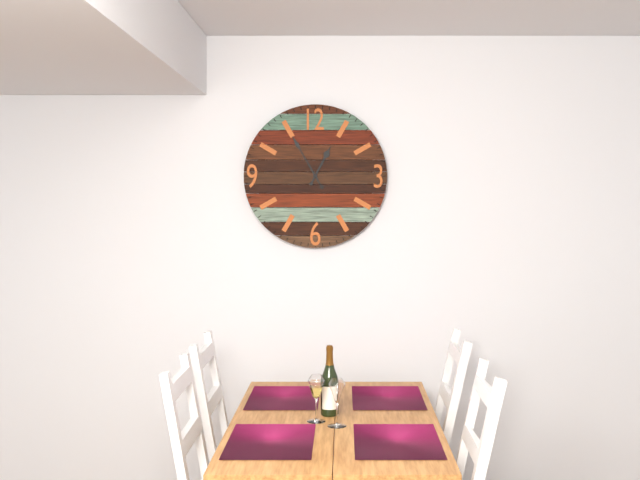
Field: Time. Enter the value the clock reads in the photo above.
12:55
